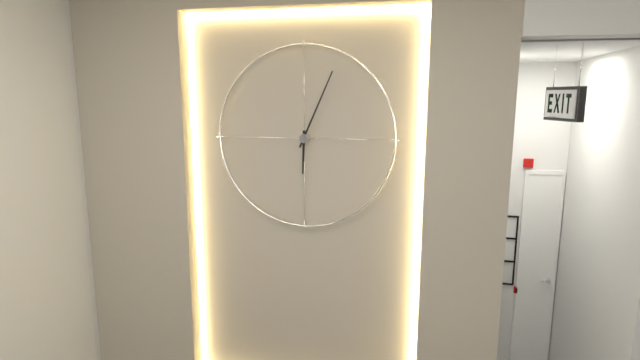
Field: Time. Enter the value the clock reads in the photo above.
6:04
